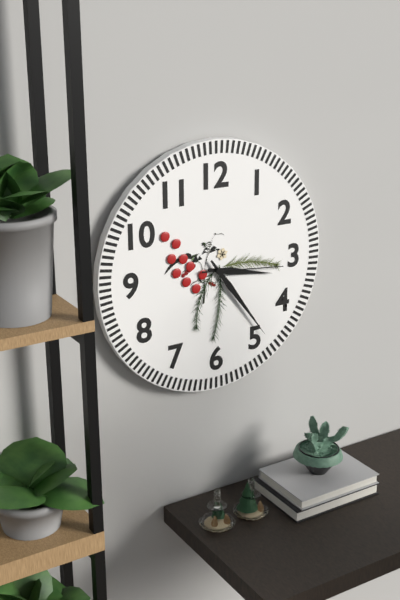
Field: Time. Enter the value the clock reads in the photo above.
3:24:16
